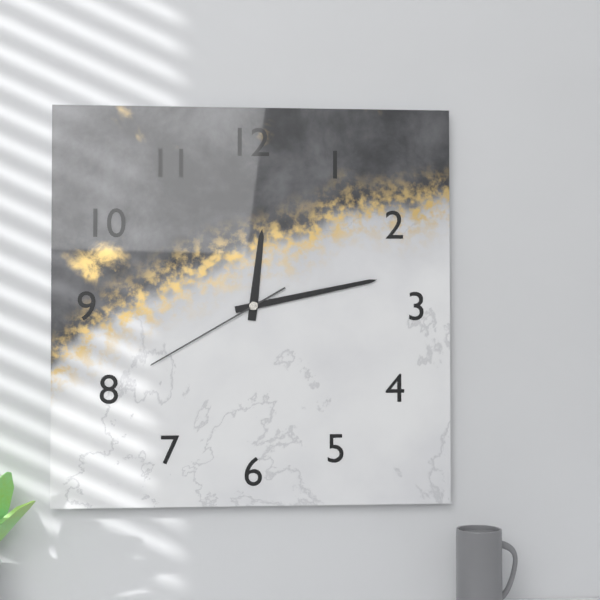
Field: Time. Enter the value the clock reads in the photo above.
12:13:40
